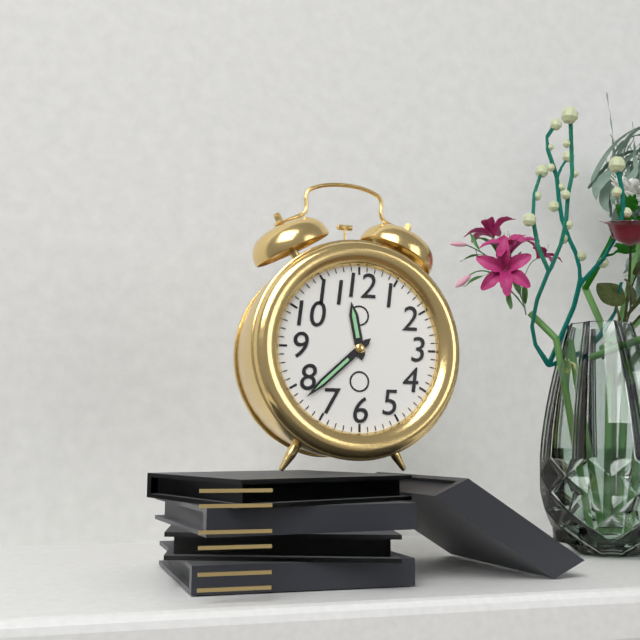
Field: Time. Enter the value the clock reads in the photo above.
11:38
